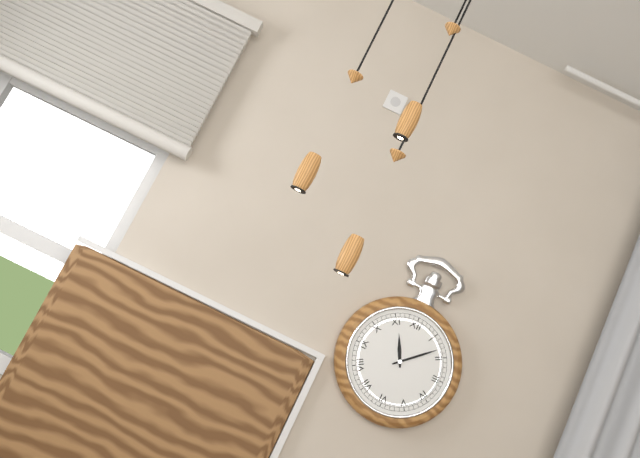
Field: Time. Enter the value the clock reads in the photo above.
11:08
